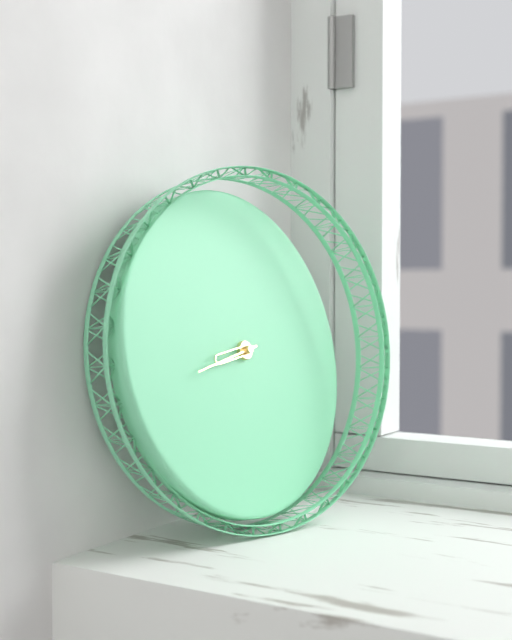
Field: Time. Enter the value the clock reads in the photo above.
8:43
